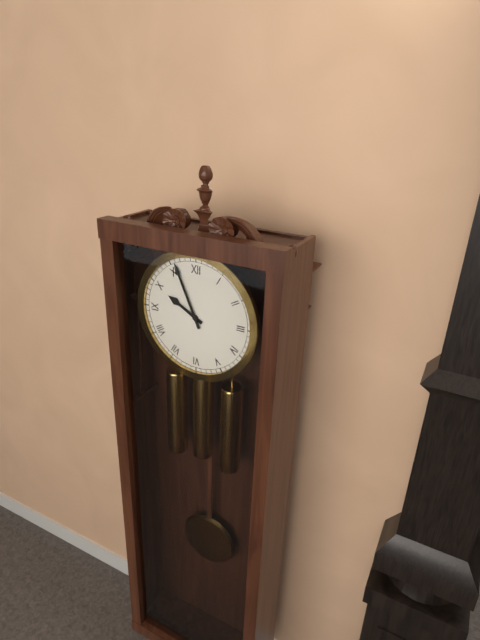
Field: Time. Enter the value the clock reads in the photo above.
9:56
